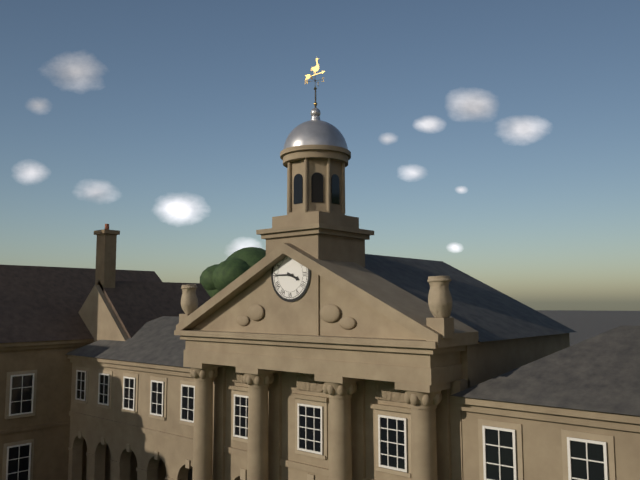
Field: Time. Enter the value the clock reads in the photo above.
3:45
